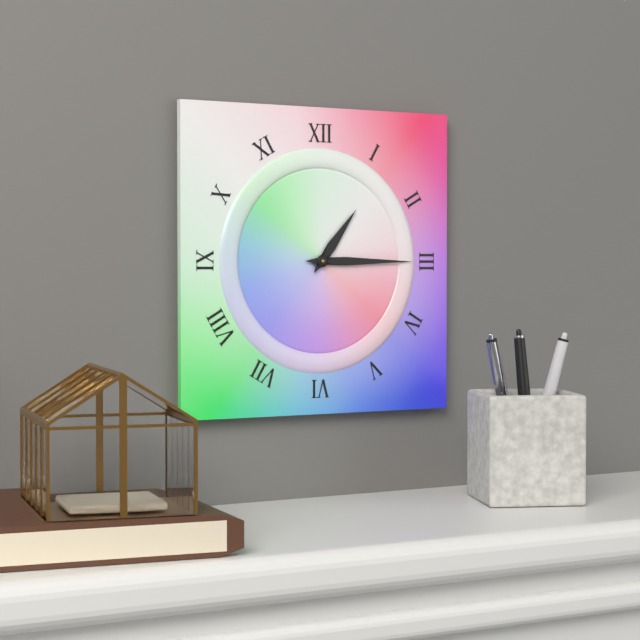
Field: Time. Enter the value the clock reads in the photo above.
1:15
